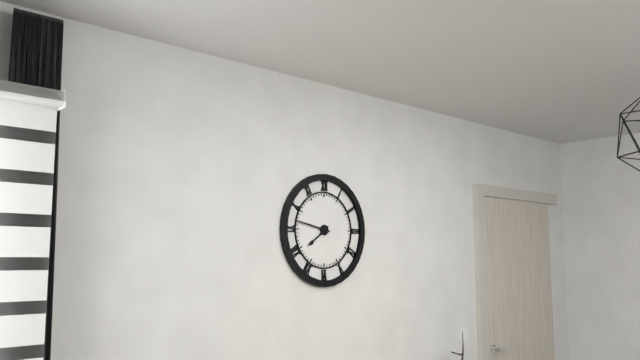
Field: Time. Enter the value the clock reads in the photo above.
7:47
